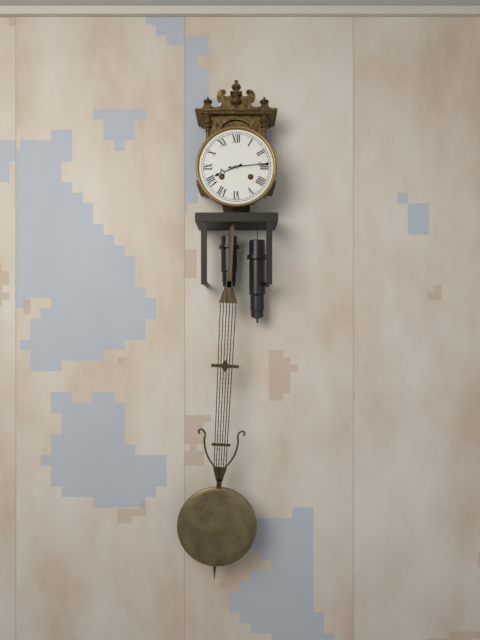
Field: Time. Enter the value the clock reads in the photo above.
8:14
